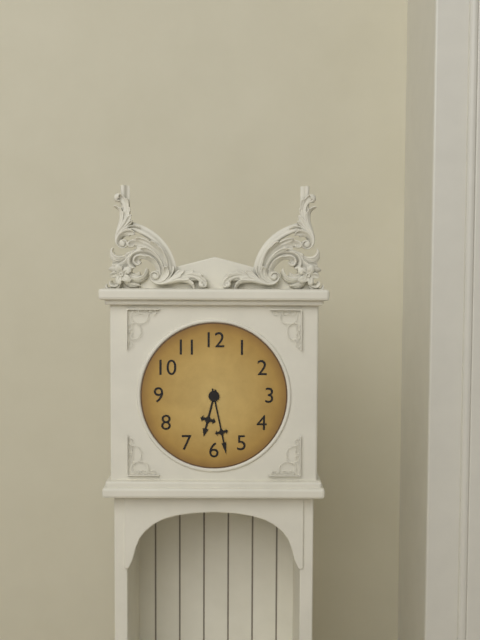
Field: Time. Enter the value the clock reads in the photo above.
6:28
